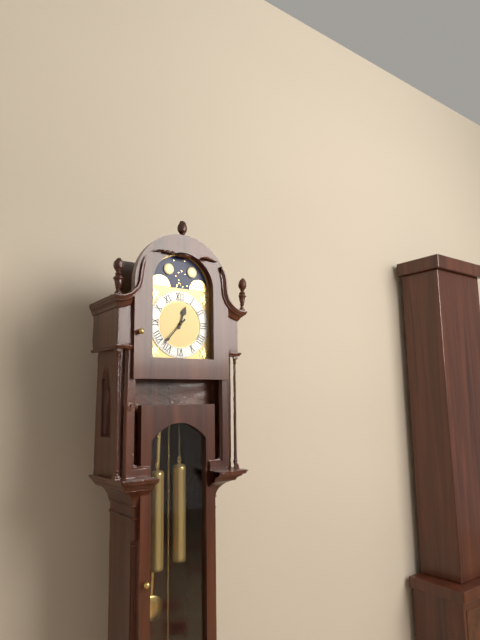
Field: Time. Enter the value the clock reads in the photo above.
12:37
